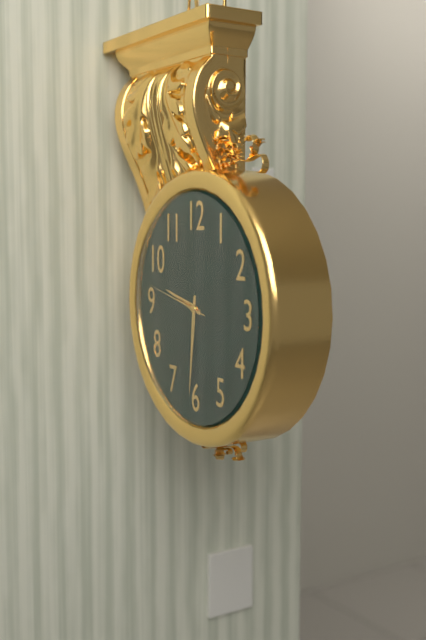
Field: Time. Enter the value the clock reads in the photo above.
9:31:47
